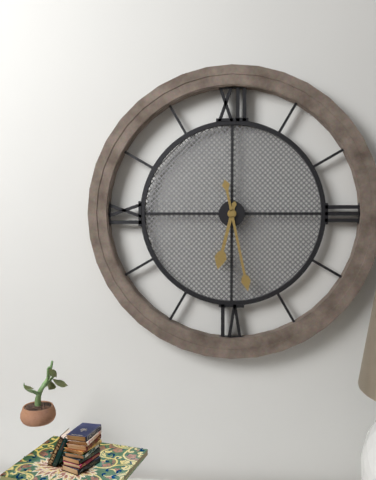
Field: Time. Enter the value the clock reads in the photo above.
6:28
